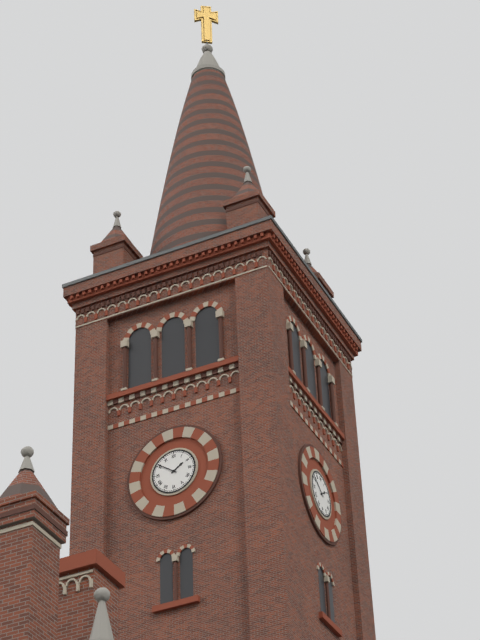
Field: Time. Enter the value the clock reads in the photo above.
1:51
